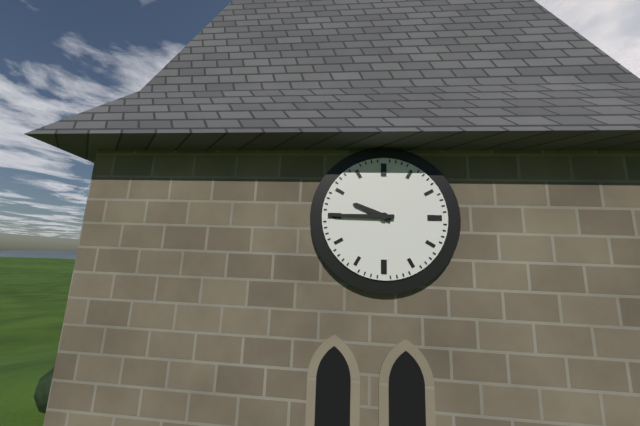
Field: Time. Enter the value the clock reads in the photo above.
9:45
